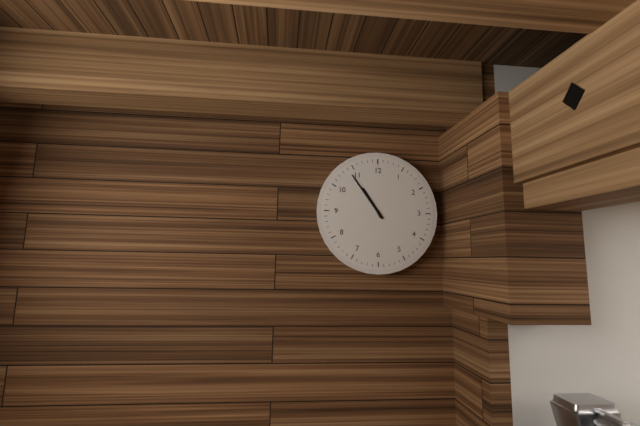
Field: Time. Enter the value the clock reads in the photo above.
10:54
